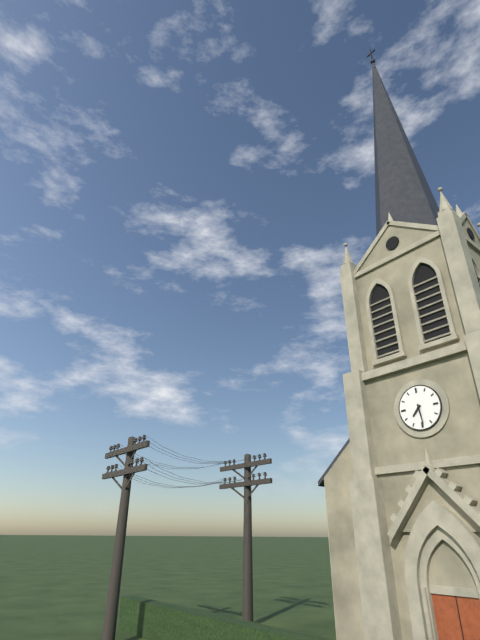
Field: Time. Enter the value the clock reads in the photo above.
7:29
